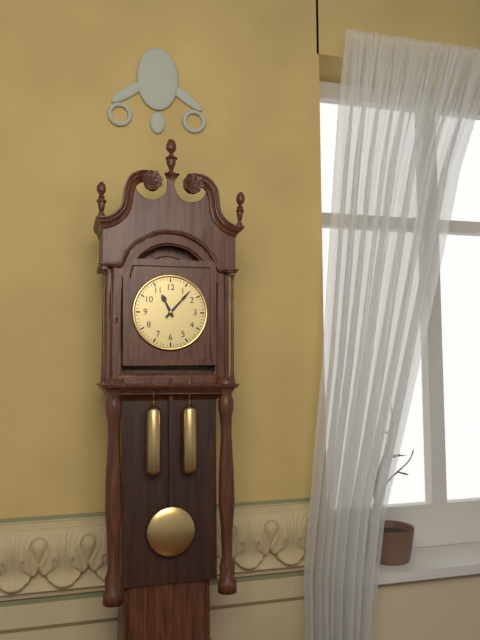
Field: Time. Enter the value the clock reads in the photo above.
11:07
